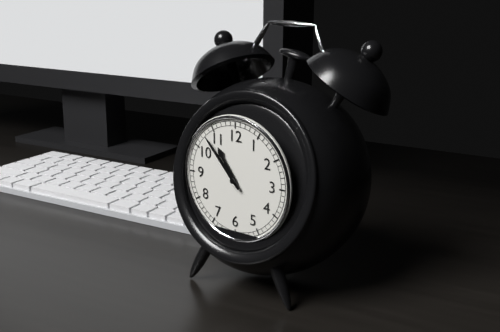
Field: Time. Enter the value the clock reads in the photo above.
10:53
